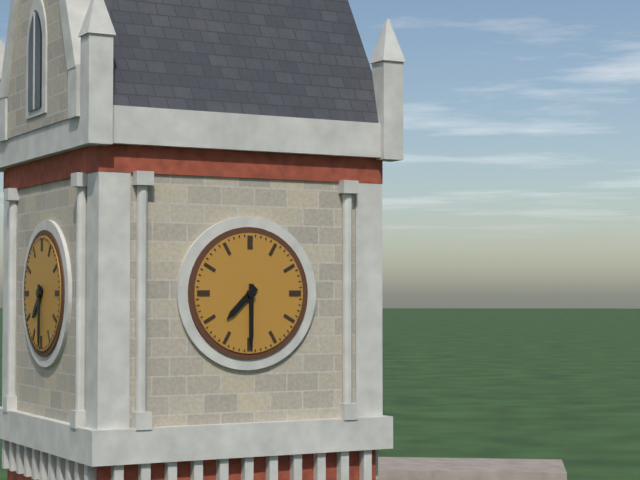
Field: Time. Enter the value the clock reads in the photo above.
7:30
